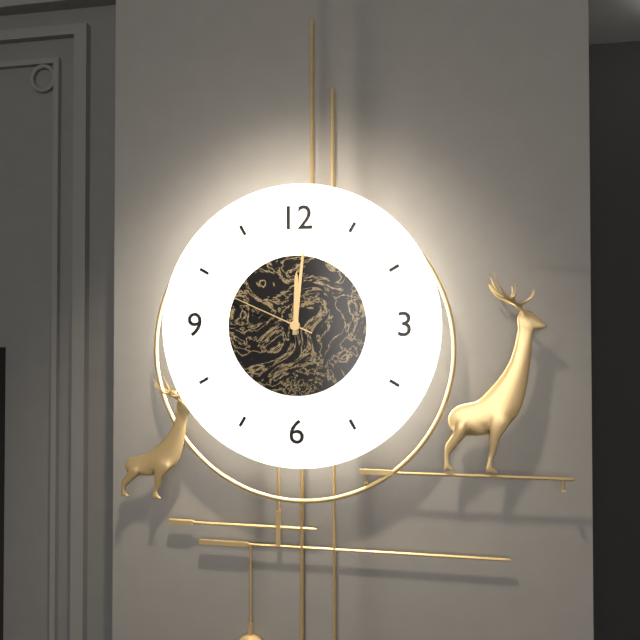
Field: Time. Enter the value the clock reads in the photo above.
12:01:49
